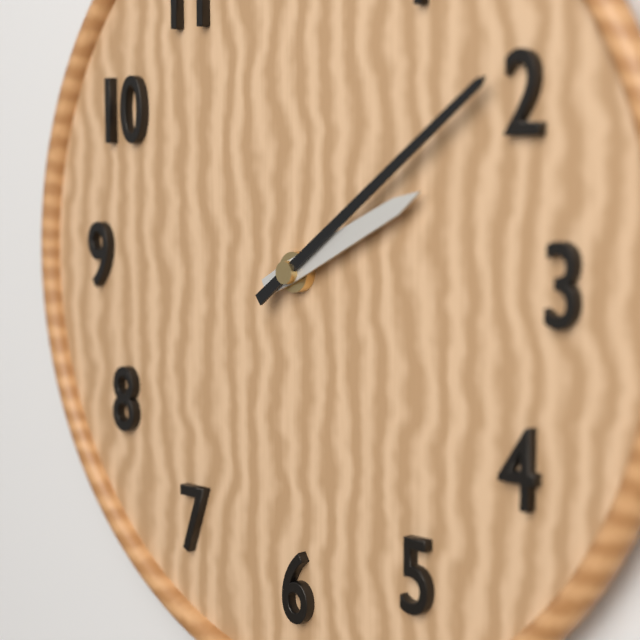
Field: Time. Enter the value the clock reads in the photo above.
2:09
